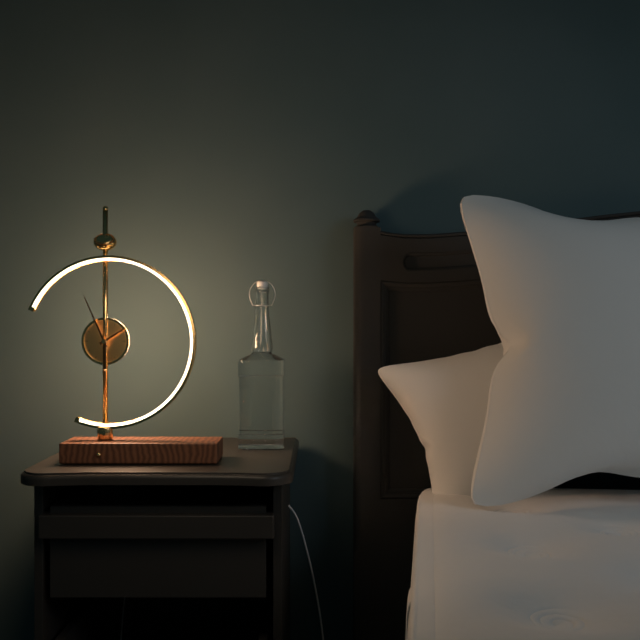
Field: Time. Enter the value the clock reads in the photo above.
1:56
